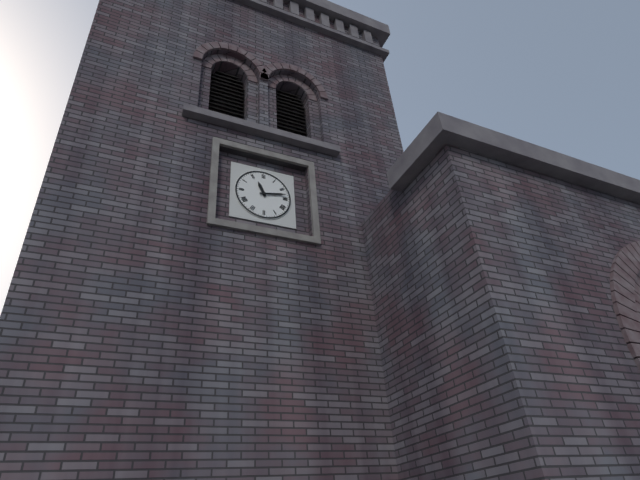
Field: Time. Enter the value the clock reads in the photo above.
11:13
